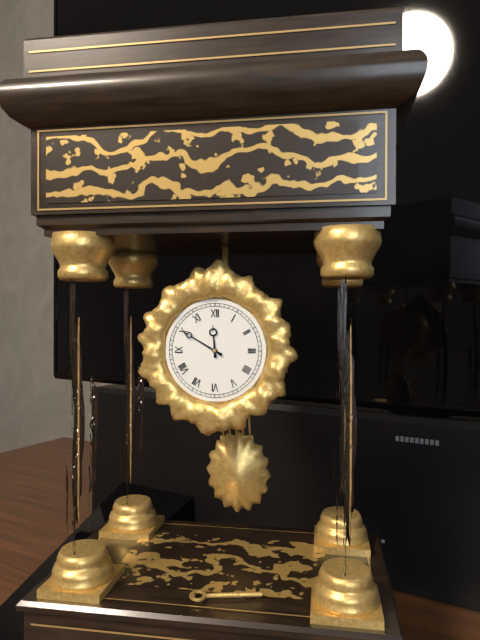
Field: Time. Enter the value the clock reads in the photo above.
11:50
